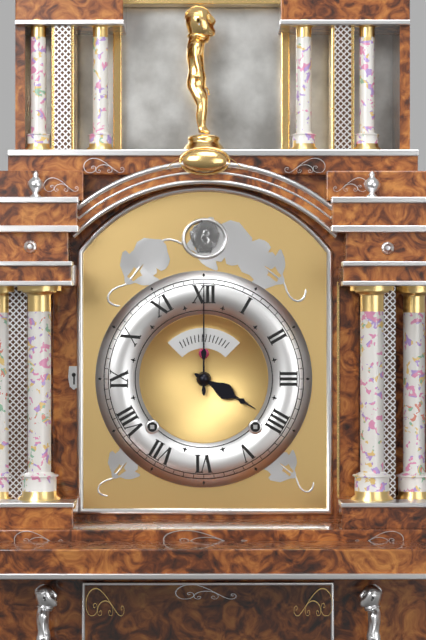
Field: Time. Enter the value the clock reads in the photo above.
4:00
